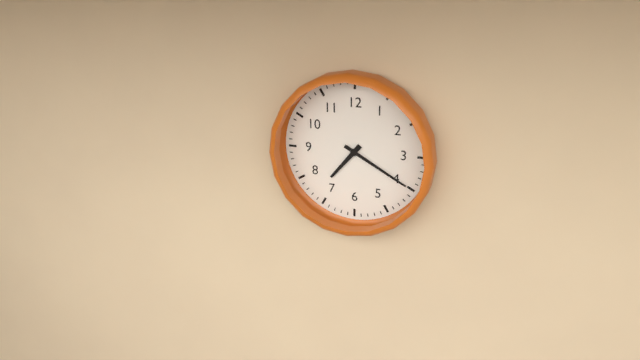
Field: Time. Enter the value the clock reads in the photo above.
7:20
